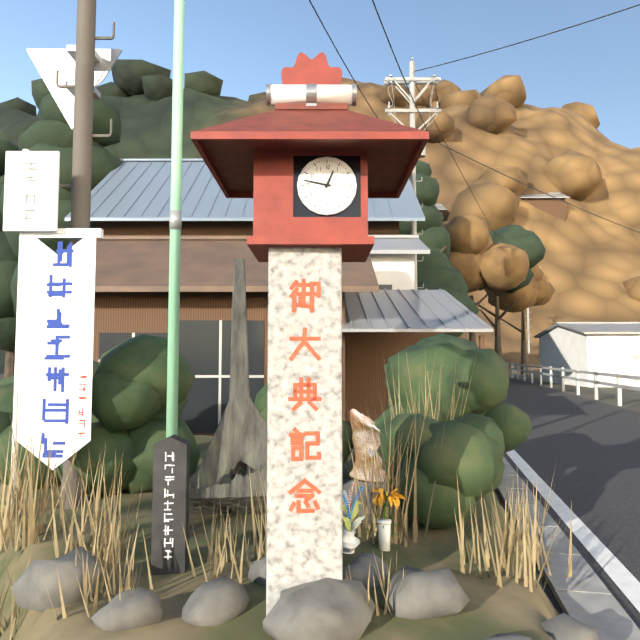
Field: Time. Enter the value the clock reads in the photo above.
12:47
